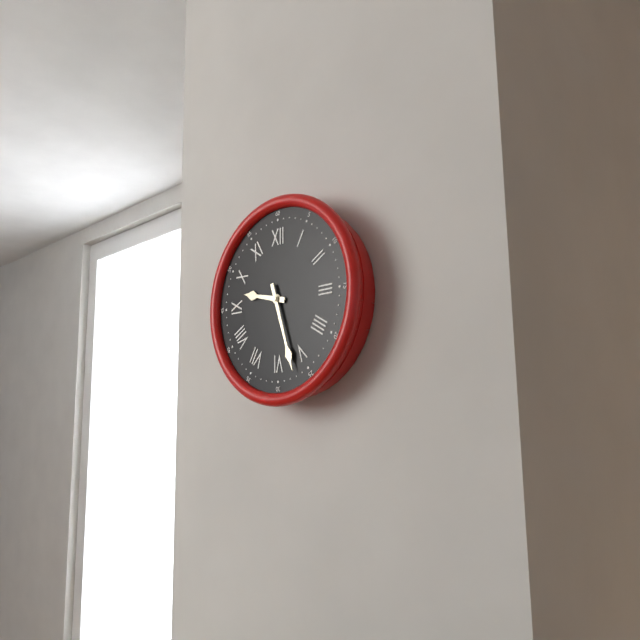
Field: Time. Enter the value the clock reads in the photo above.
9:27
